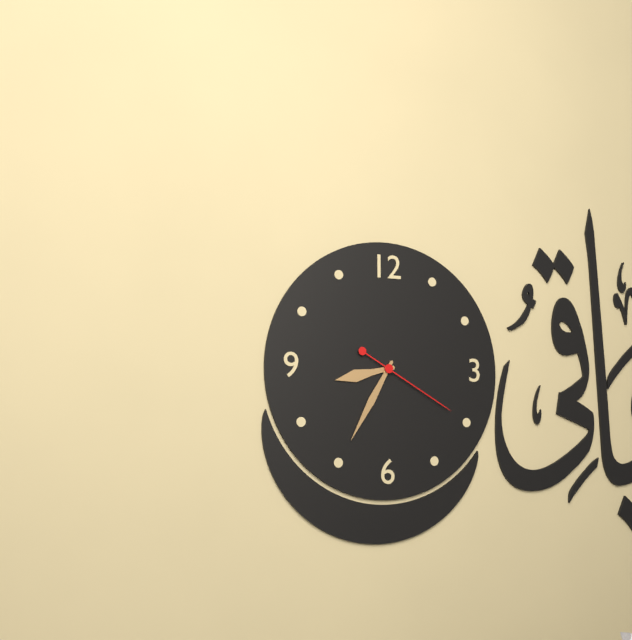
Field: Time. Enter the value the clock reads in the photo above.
8:35:20
